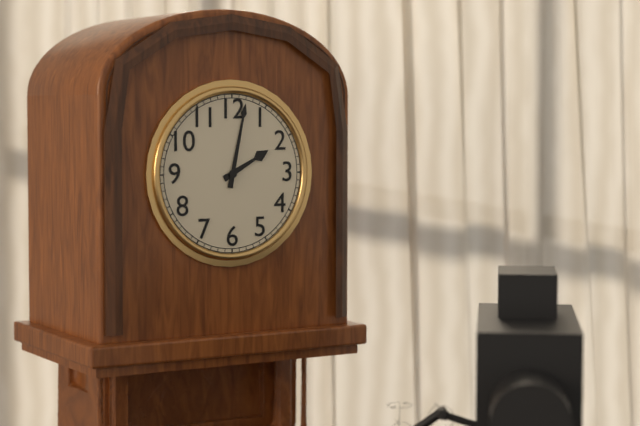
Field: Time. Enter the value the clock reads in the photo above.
2:02
